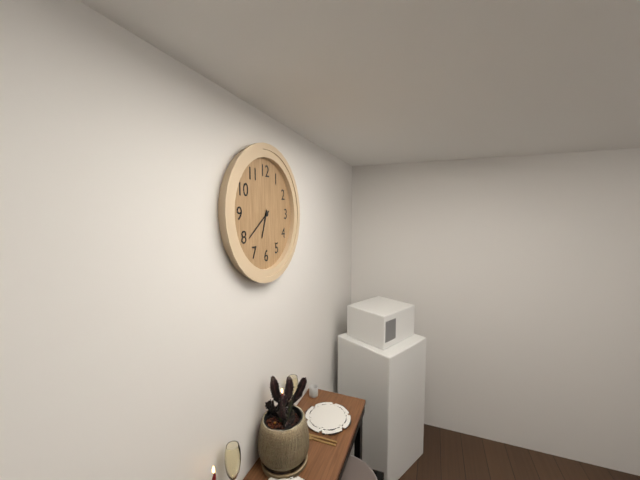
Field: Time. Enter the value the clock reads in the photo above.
6:39
